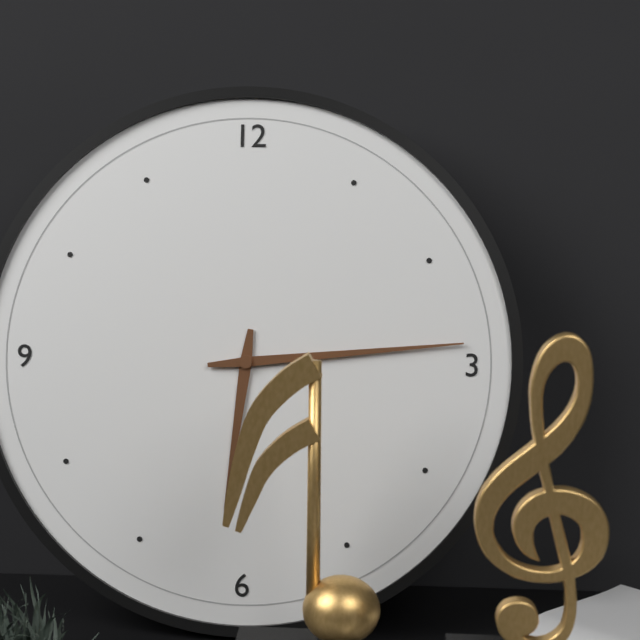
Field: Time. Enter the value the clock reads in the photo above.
6:14
